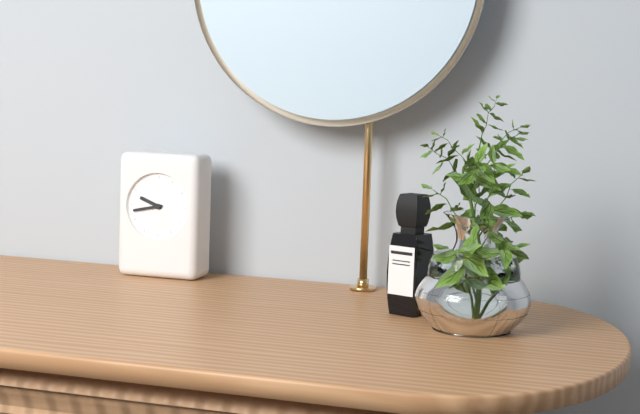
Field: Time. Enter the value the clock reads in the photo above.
9:43
